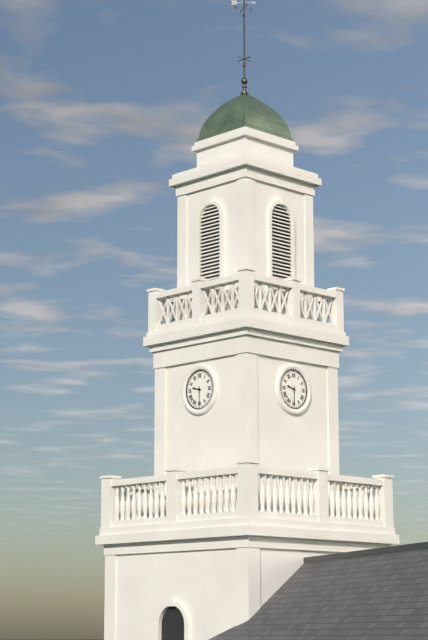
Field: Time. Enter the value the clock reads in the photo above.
9:30
